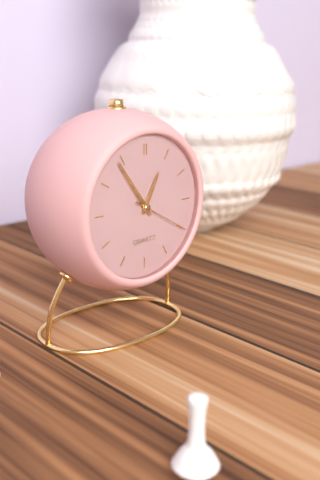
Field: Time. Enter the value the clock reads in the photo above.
12:54:20
